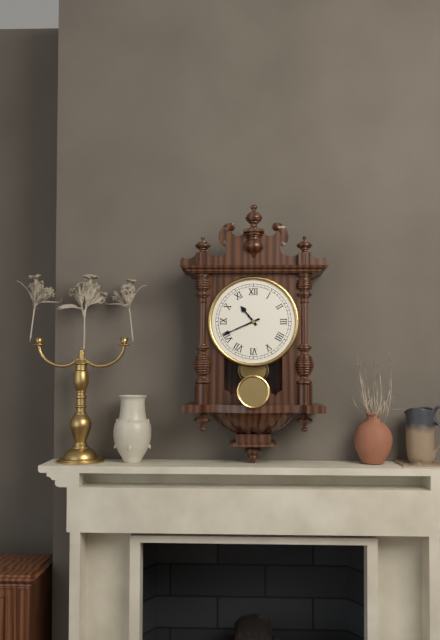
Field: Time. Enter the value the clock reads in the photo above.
10:41
